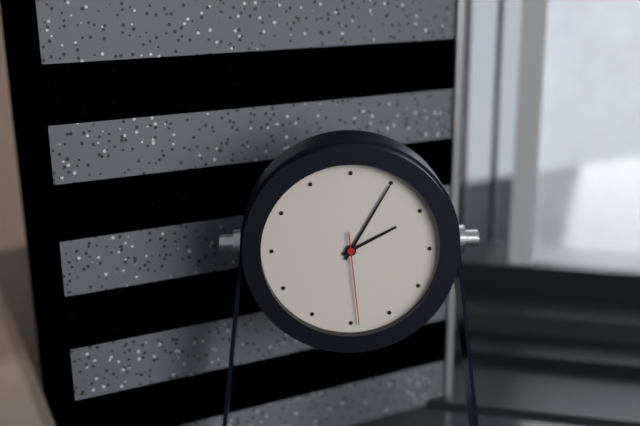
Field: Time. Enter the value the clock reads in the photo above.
2:05:29
